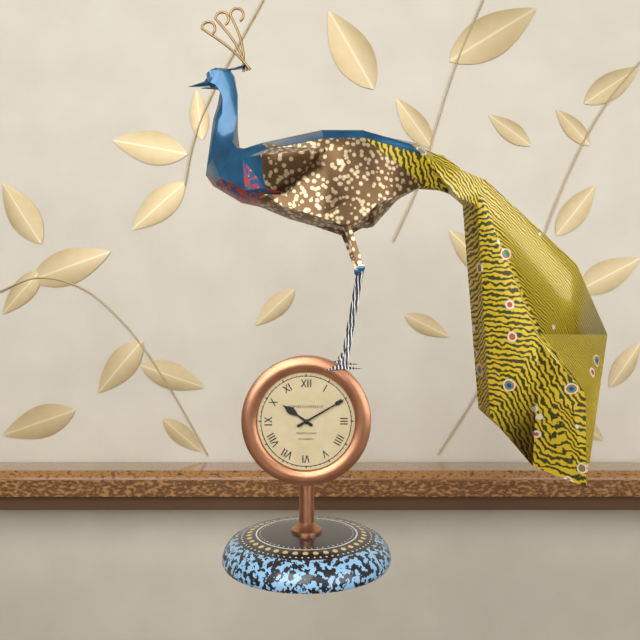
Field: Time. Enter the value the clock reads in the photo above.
10:10
